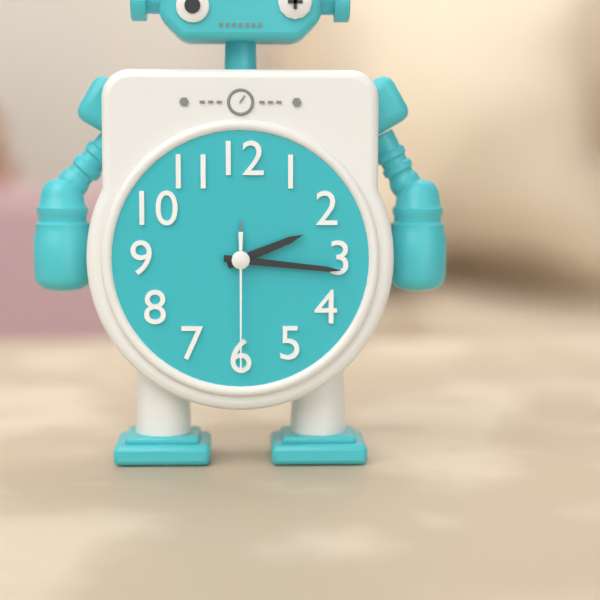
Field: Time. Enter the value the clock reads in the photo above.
2:16:30
